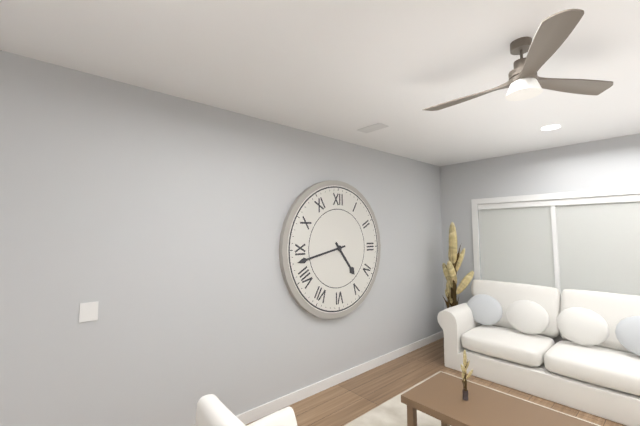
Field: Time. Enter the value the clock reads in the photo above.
4:43
